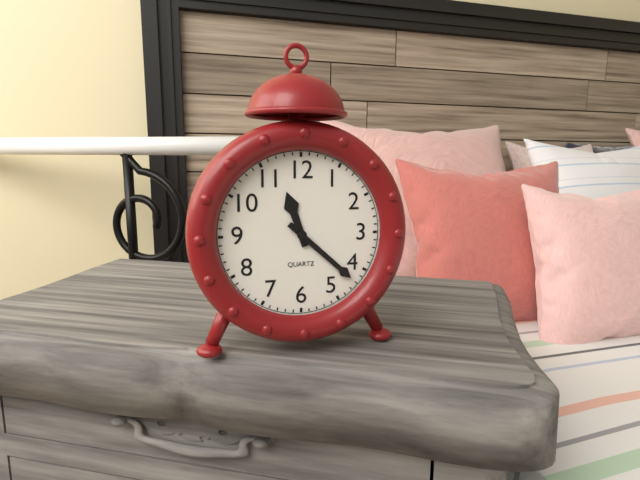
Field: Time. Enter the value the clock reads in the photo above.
11:22
